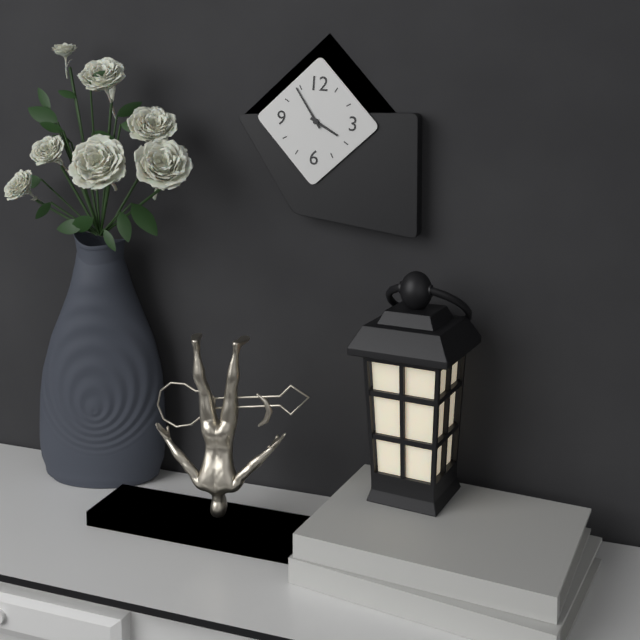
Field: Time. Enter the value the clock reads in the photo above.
3:54
